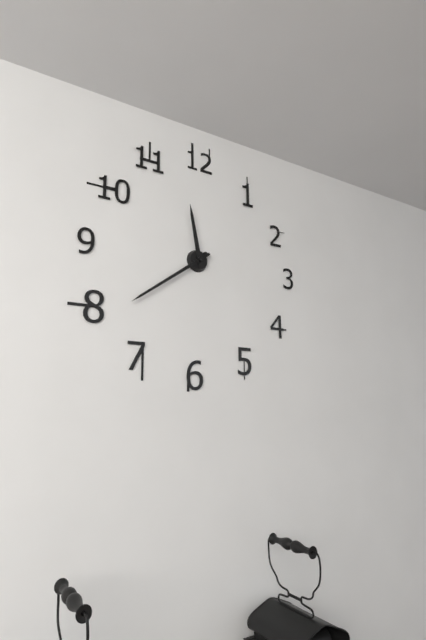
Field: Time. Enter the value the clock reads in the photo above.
11:39
